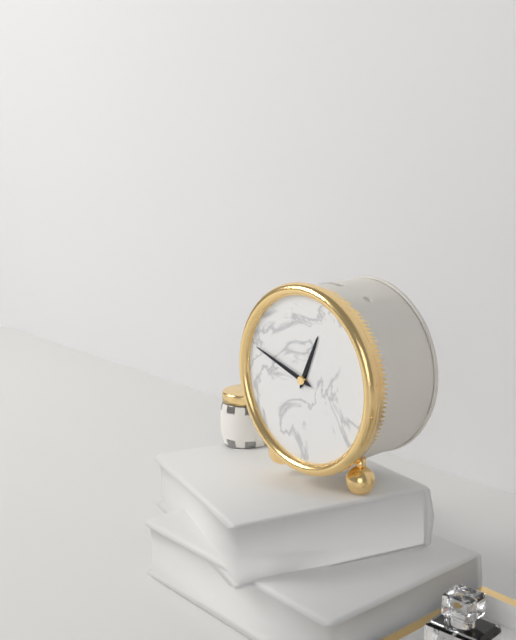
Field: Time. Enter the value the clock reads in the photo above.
12:48
